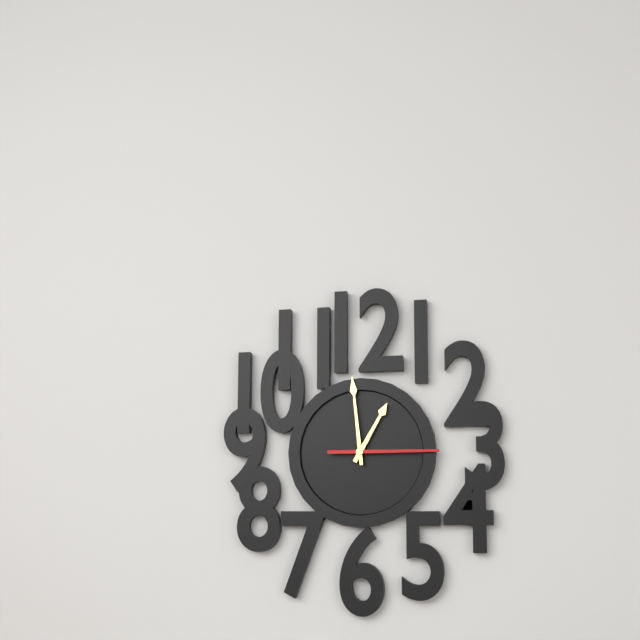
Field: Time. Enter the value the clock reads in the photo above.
12:59:15
